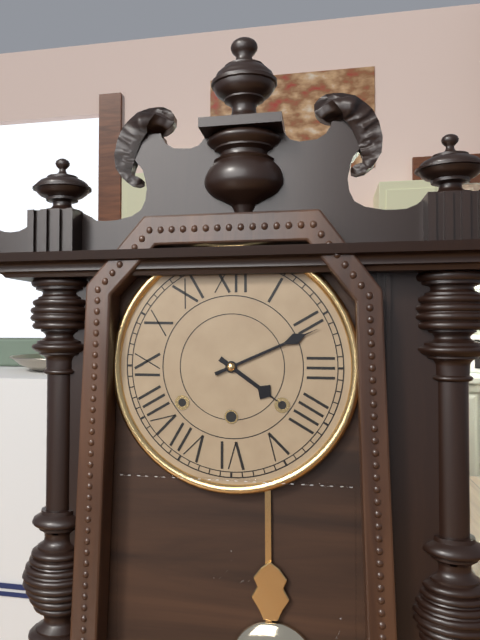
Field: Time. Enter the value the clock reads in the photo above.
4:11
